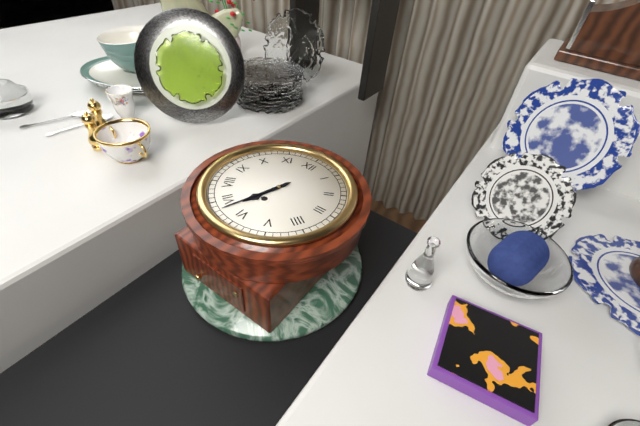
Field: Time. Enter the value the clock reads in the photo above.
6:33
